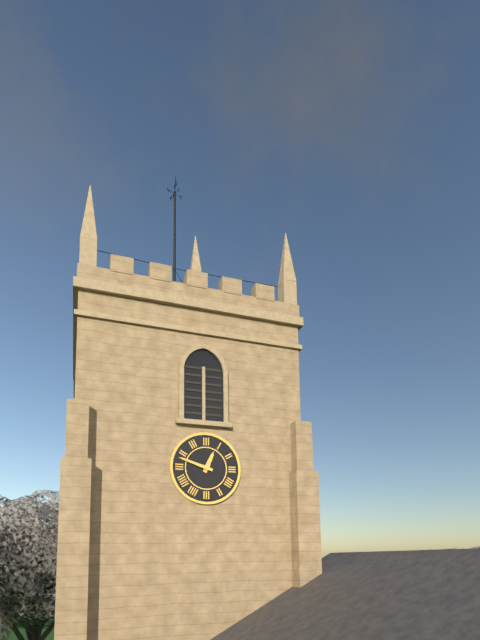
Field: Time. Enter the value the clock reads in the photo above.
12:48
